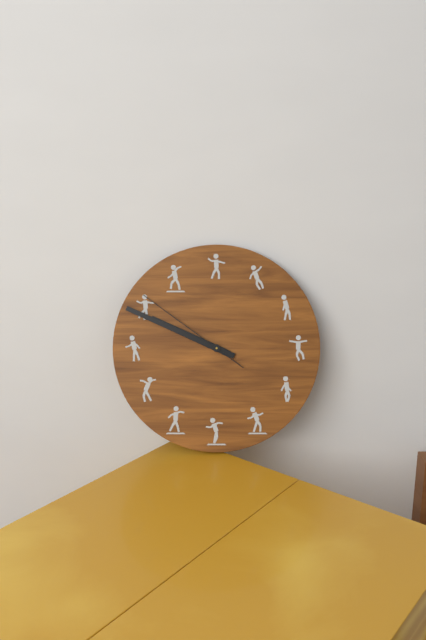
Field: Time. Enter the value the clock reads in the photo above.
9:49:51
